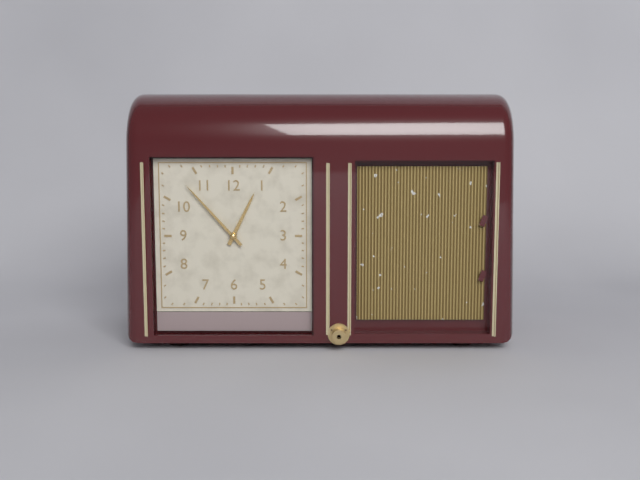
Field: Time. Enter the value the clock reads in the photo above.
12:53
